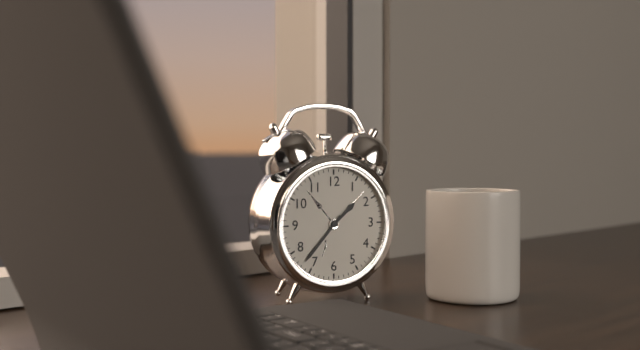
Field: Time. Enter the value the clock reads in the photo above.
1:37
